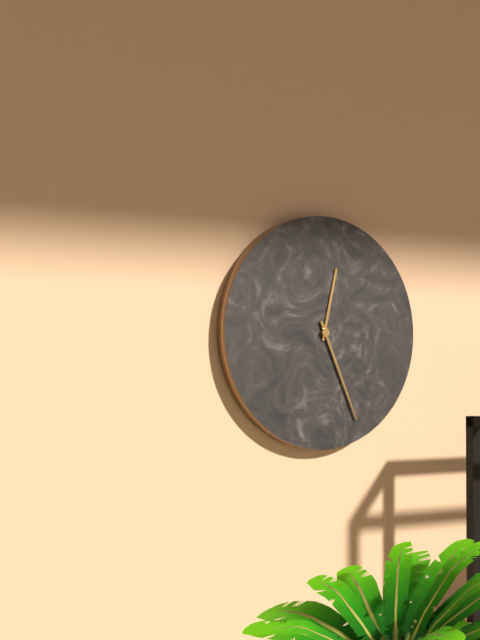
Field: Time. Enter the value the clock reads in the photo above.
12:26
